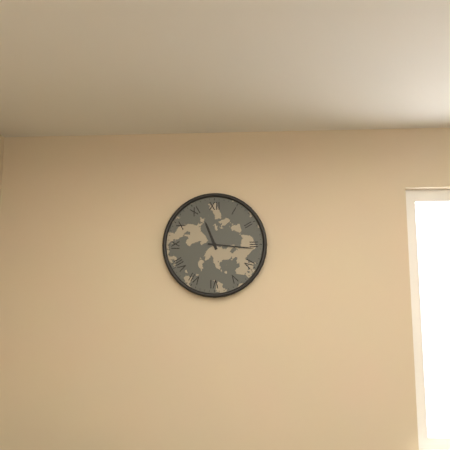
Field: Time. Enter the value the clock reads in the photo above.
11:16
